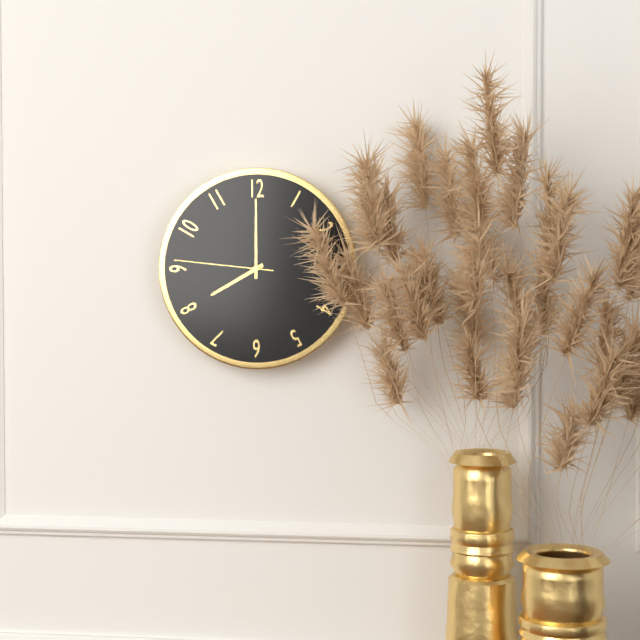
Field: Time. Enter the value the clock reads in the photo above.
8:00:46
